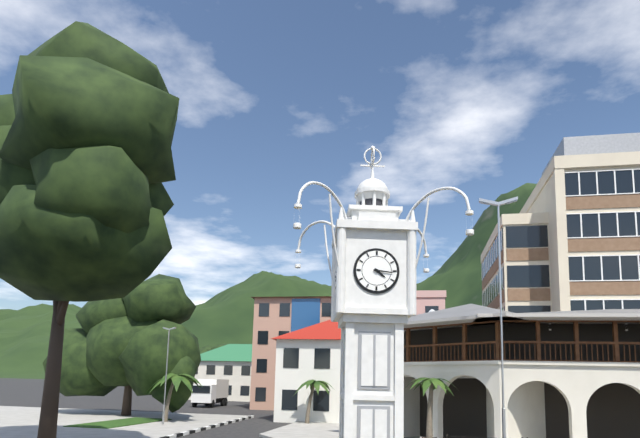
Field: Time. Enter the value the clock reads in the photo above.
4:16
